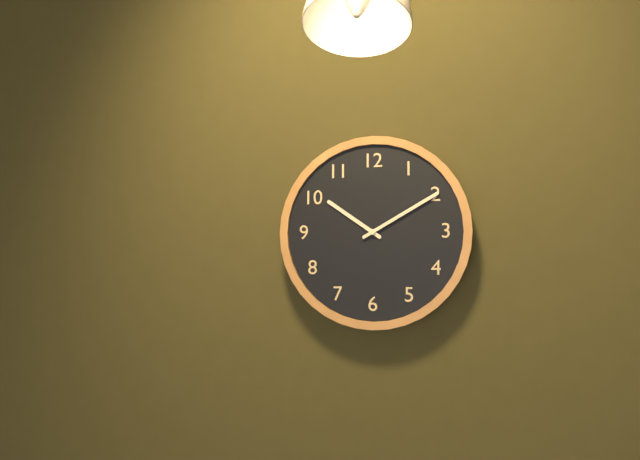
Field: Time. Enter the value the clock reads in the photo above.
10:10
